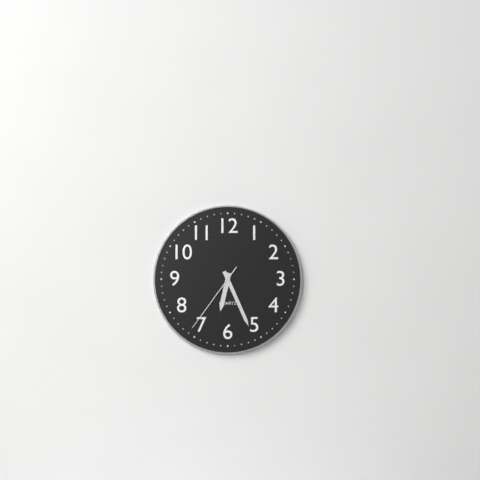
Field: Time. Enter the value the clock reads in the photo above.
6:26:36
